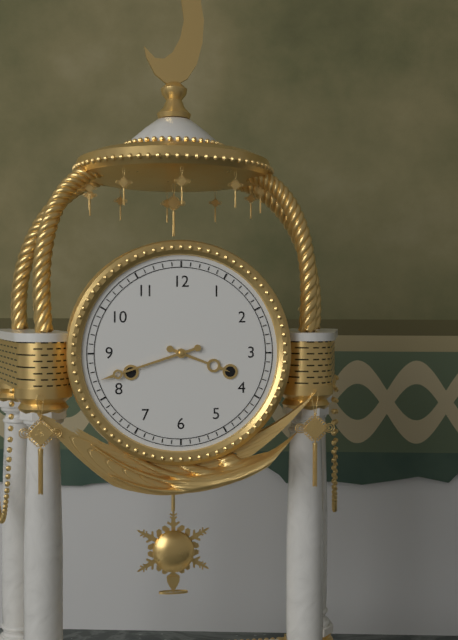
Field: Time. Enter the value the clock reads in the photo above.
3:42
